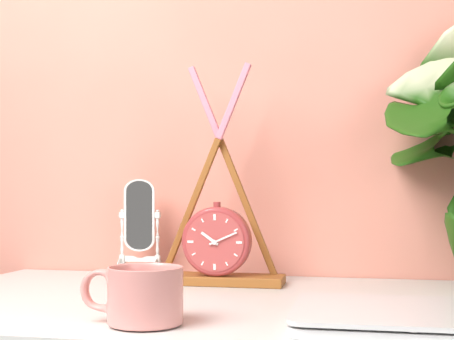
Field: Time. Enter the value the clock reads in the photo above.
10:11
